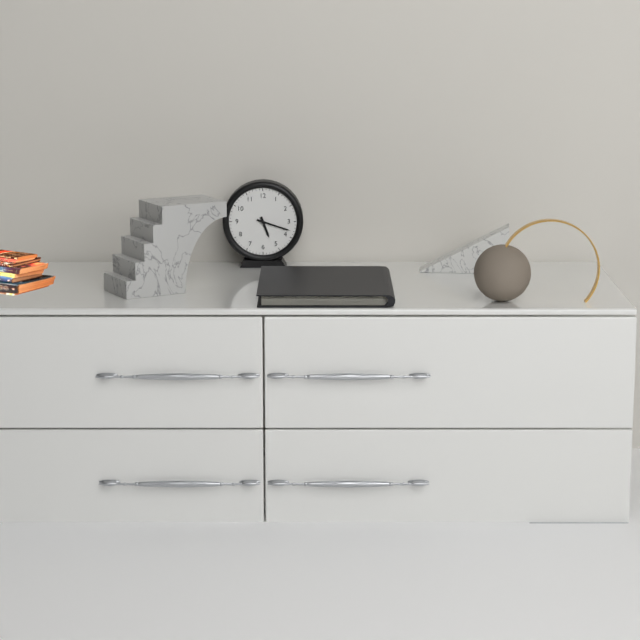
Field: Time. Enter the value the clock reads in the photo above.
5:18
